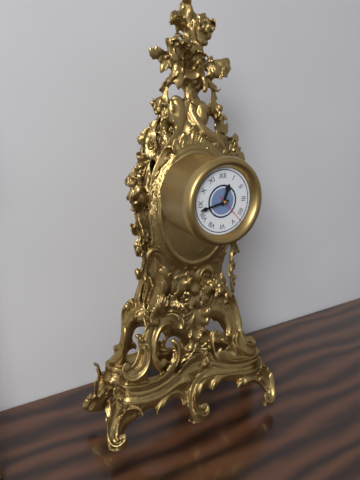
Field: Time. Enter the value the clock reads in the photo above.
12:43
